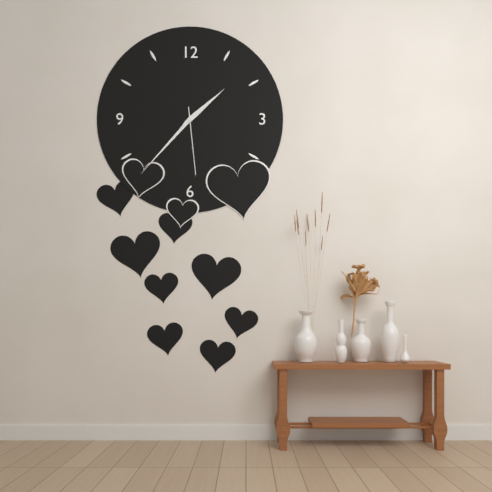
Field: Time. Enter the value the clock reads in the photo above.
1:37:29
